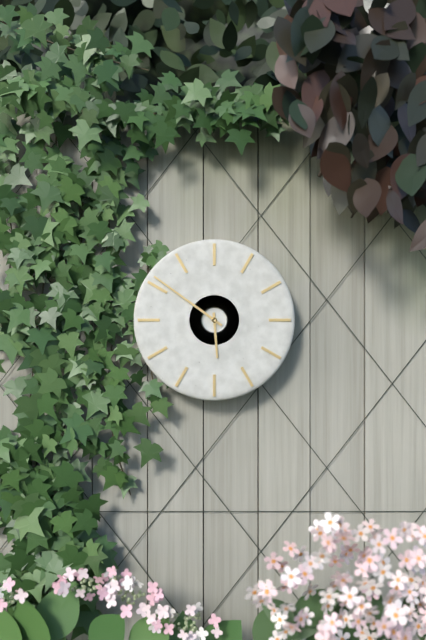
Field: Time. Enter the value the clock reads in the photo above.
5:51
